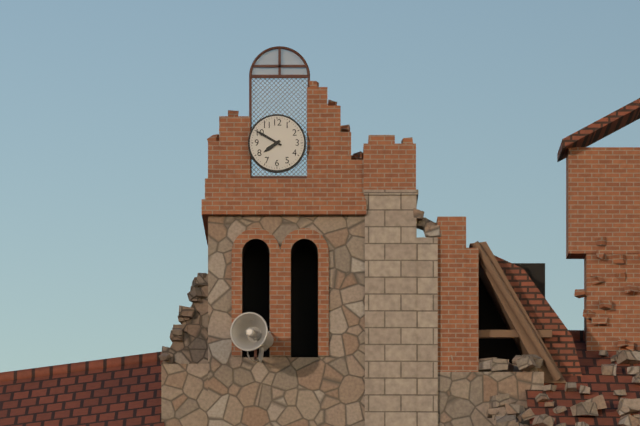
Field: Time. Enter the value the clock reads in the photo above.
7:50
